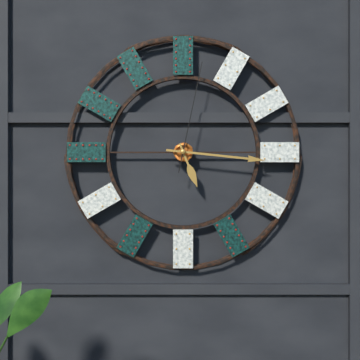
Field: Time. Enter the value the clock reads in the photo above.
5:16:02
